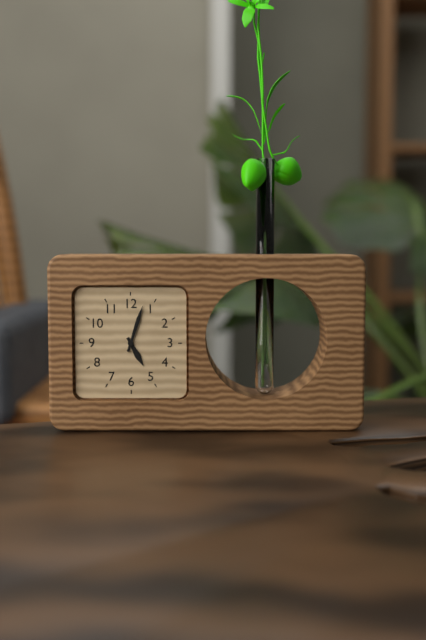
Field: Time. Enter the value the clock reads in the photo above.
5:03
